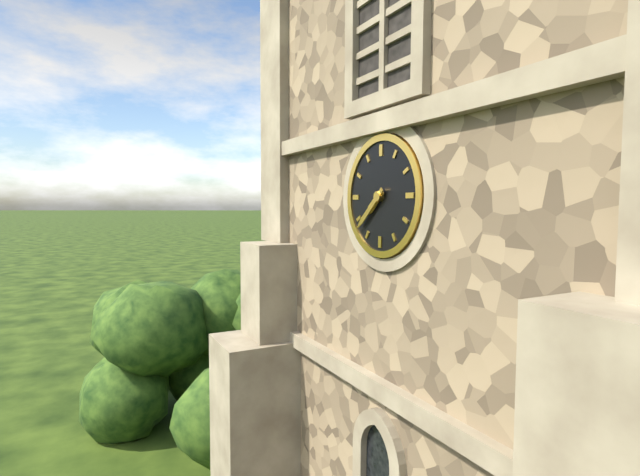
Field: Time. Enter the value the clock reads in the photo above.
7:38
